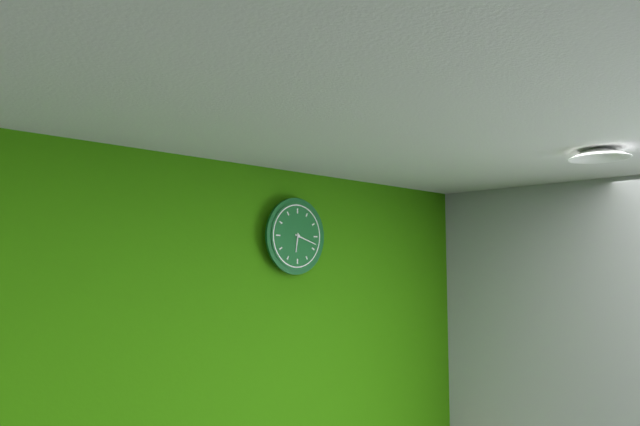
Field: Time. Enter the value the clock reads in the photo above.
6:18
